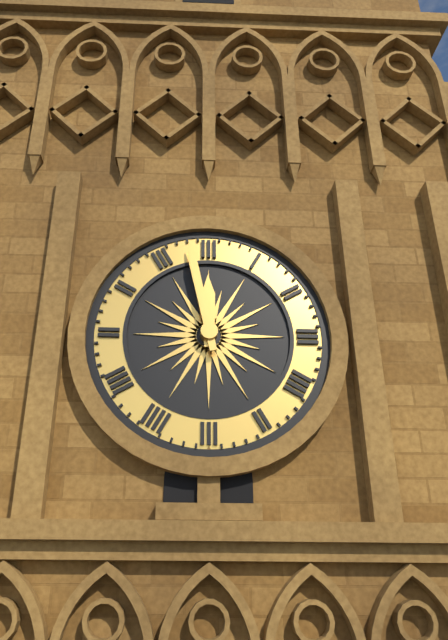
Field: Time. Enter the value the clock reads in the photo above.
11:58
